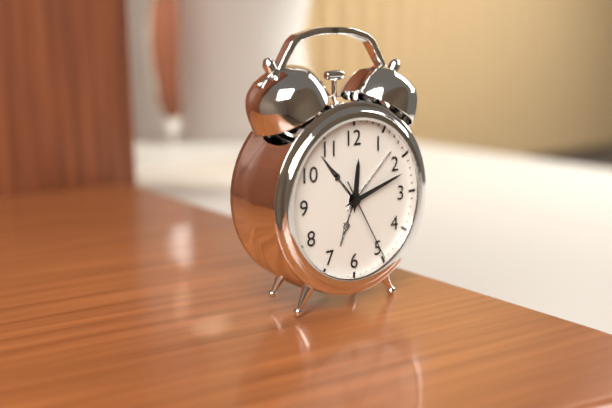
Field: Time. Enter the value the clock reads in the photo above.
12:12:25
